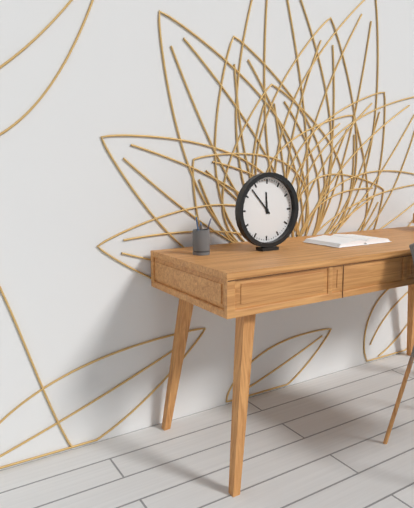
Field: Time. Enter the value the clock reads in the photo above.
11:53
